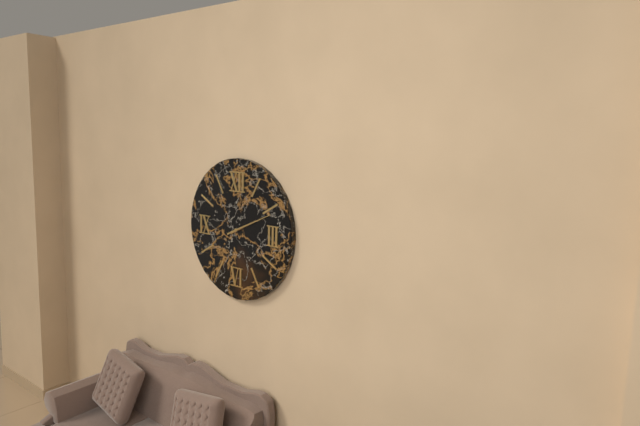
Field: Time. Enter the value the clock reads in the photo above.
2:11
